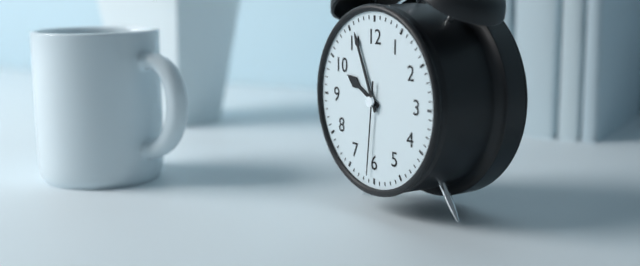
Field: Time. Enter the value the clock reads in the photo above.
9:56:31
